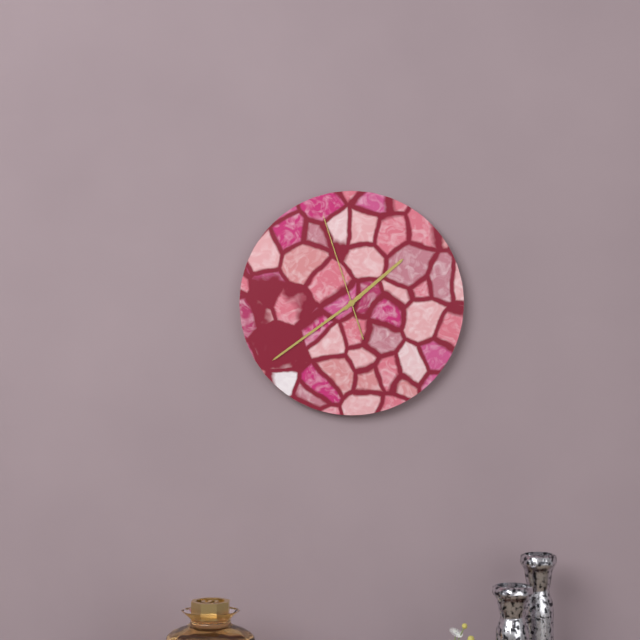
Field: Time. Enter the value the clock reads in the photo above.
1:39:57
